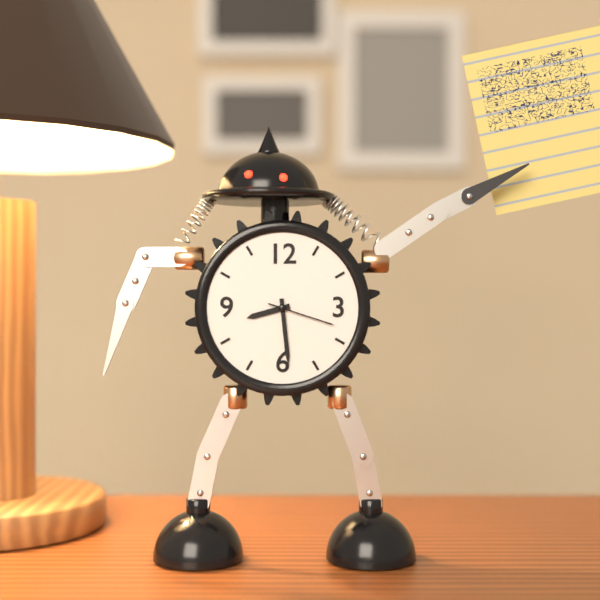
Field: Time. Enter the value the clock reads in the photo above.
8:29:18
